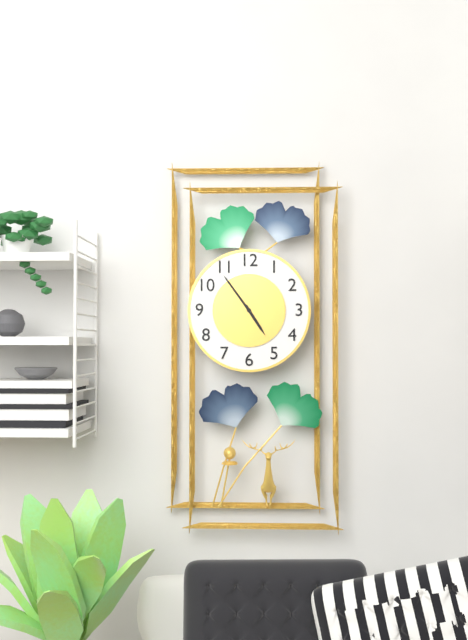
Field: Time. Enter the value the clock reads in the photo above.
4:54
